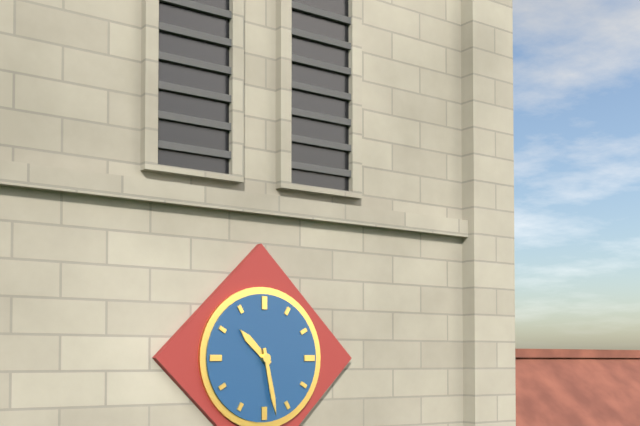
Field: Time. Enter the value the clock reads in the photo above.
10:28
